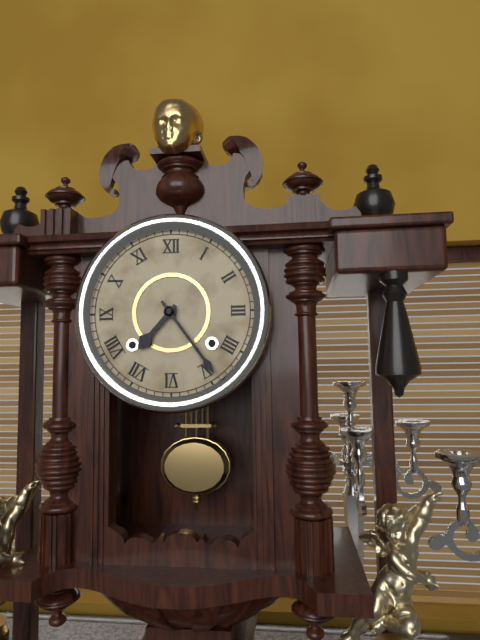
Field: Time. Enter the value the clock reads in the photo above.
7:24
